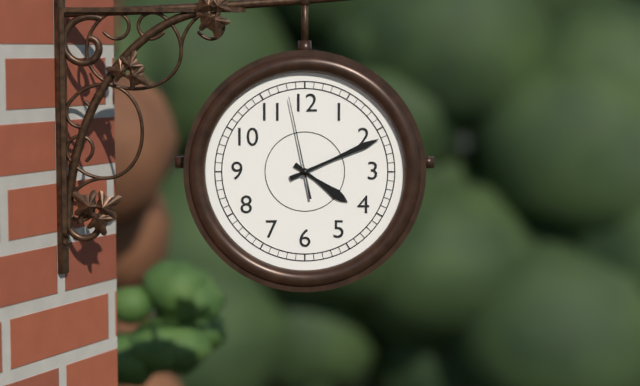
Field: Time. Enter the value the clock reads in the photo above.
4:11:58
